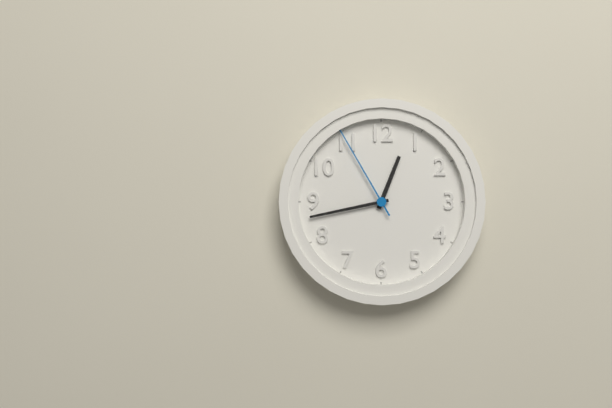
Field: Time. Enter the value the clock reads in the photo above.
12:43:55
